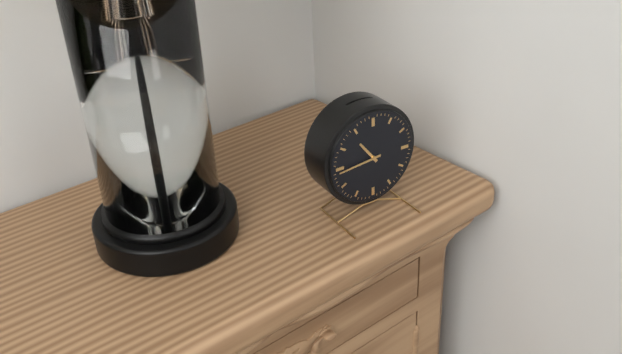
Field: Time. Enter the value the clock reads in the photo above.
10:44
